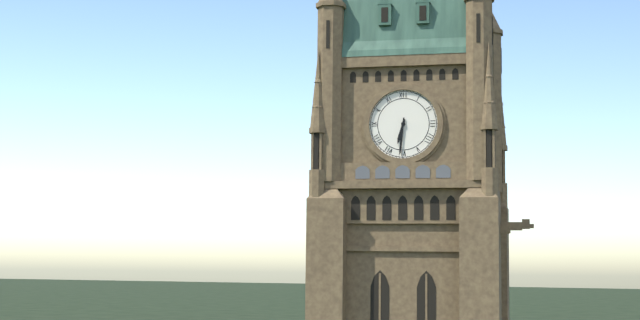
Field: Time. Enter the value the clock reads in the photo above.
6:31
